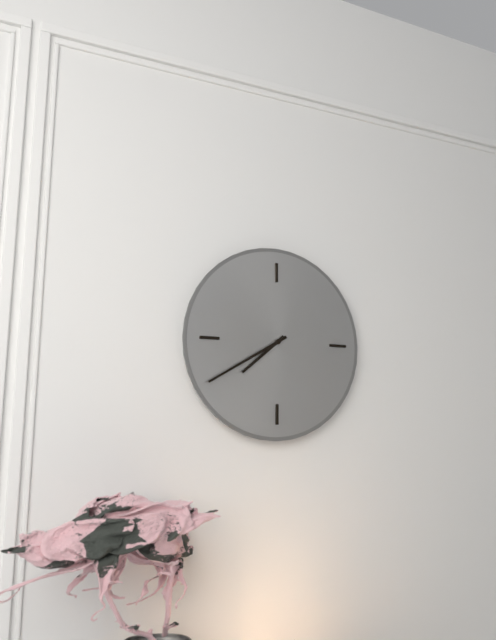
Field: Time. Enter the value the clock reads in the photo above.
7:40
